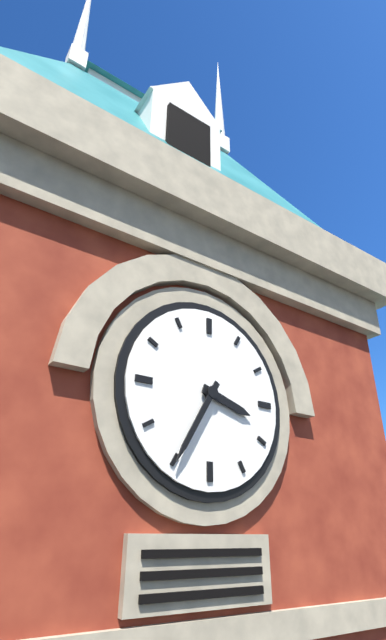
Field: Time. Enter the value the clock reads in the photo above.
3:35
